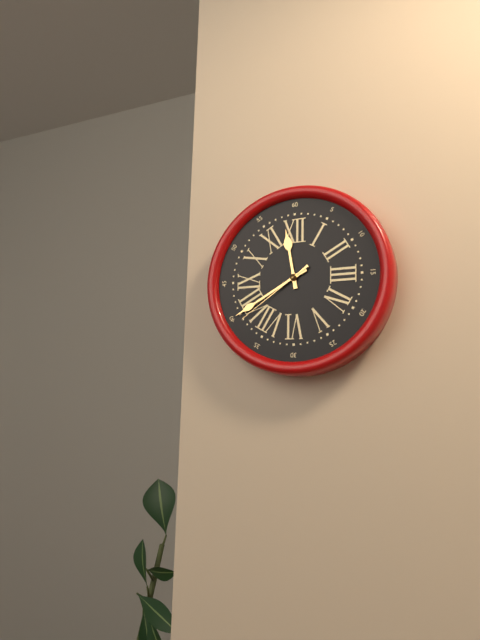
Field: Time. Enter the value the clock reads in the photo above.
11:40:39
